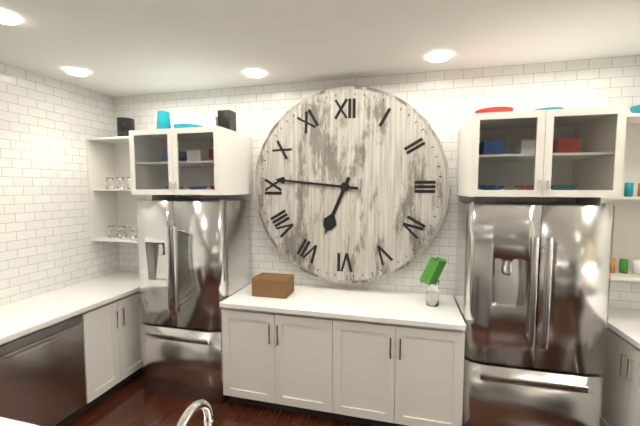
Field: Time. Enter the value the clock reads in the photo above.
6:46
